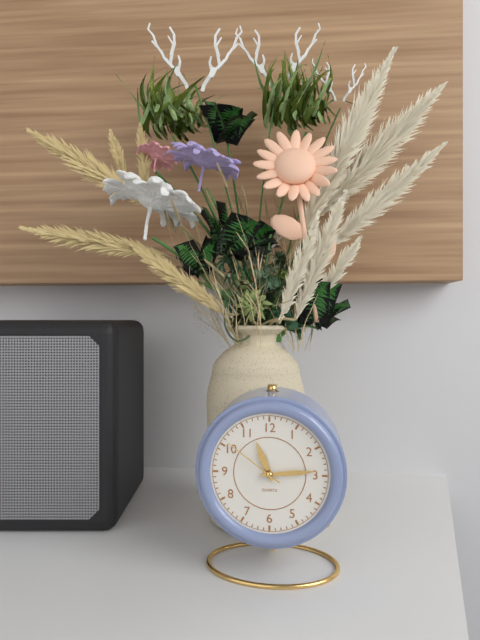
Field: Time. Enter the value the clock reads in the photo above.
11:14:51
